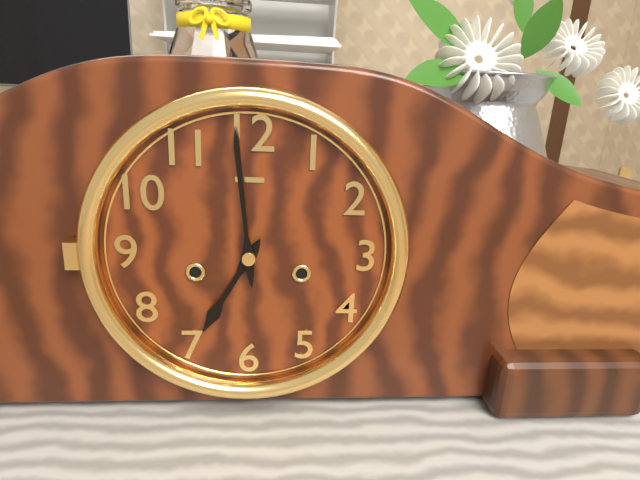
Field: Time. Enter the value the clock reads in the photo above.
6:59
